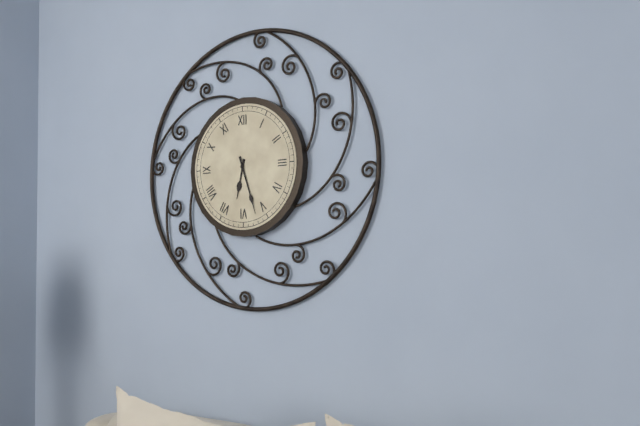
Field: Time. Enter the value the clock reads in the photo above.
6:27
